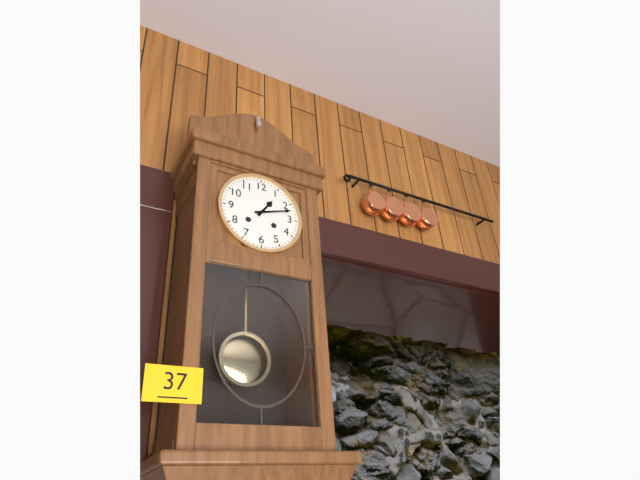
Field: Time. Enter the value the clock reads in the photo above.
1:12
